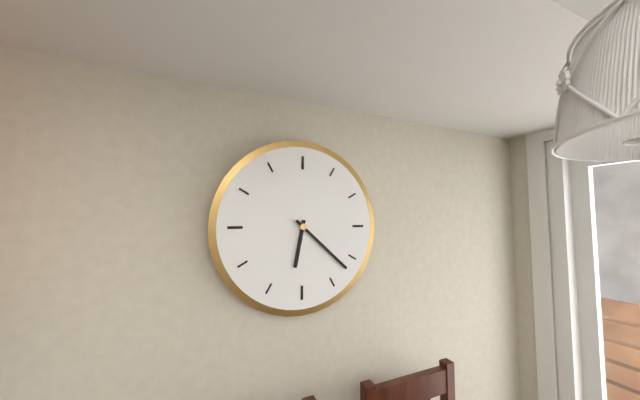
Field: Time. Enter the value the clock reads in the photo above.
6:22
